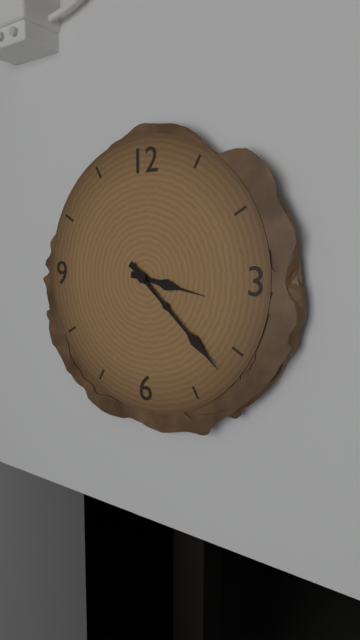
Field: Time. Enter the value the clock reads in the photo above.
3:22
